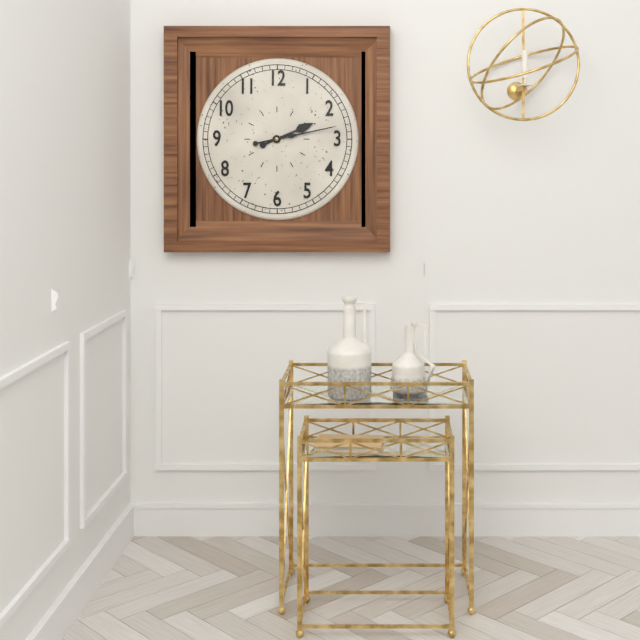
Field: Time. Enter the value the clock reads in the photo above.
2:13
